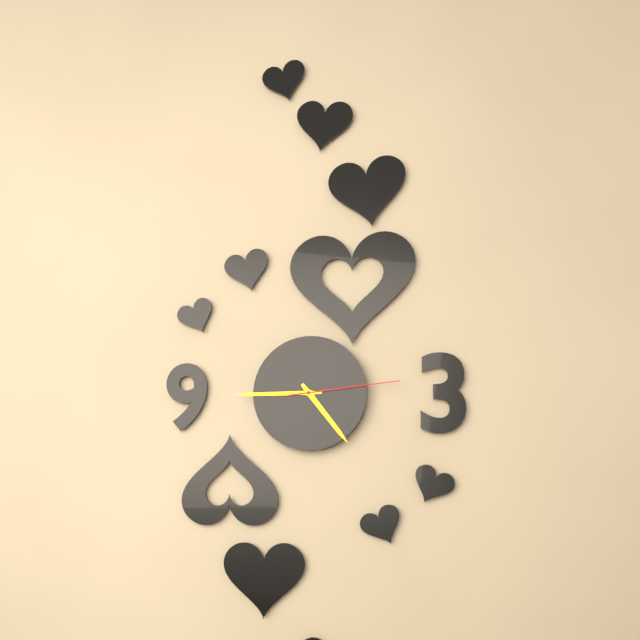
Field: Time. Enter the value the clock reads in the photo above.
4:45:14
